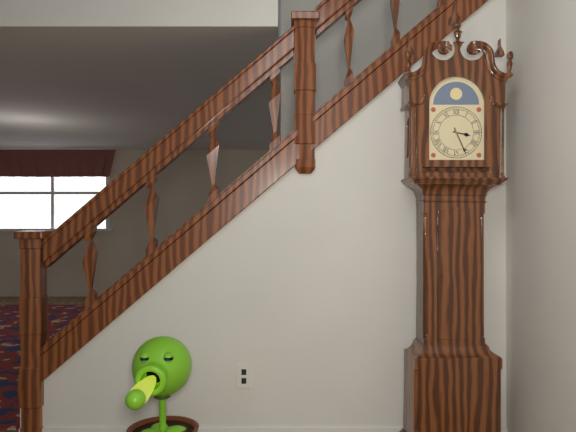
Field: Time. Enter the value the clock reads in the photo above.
3:26
